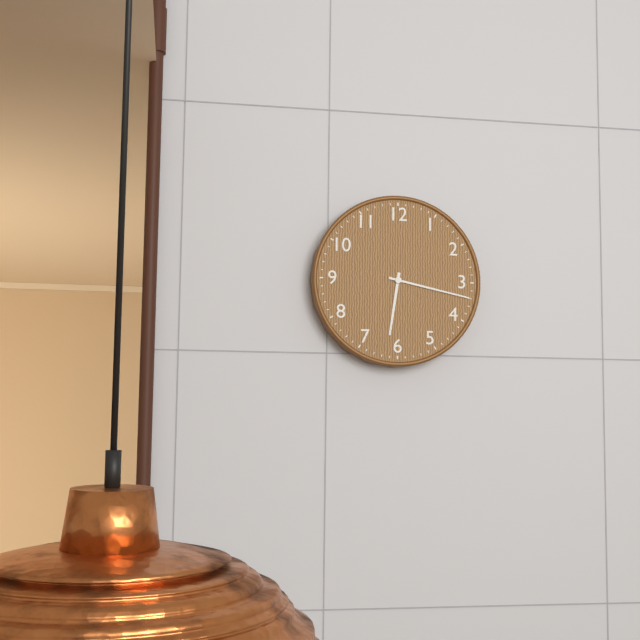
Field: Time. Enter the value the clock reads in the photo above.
6:17
